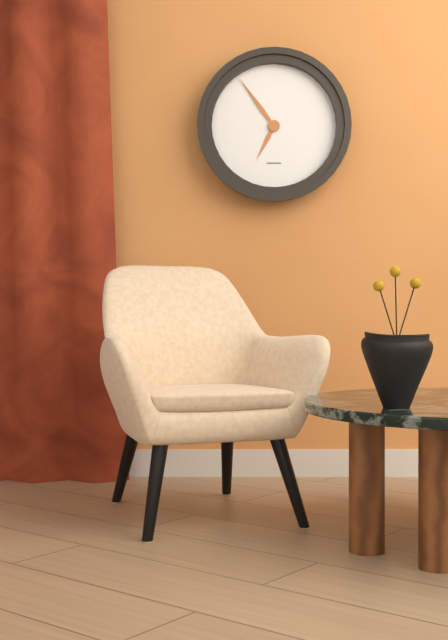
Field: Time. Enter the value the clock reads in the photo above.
6:54
